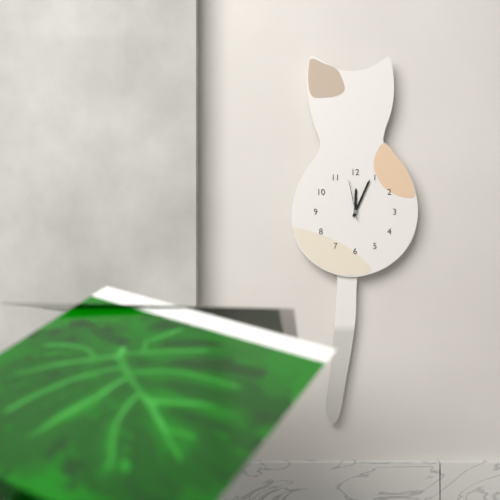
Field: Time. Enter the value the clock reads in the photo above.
12:04
